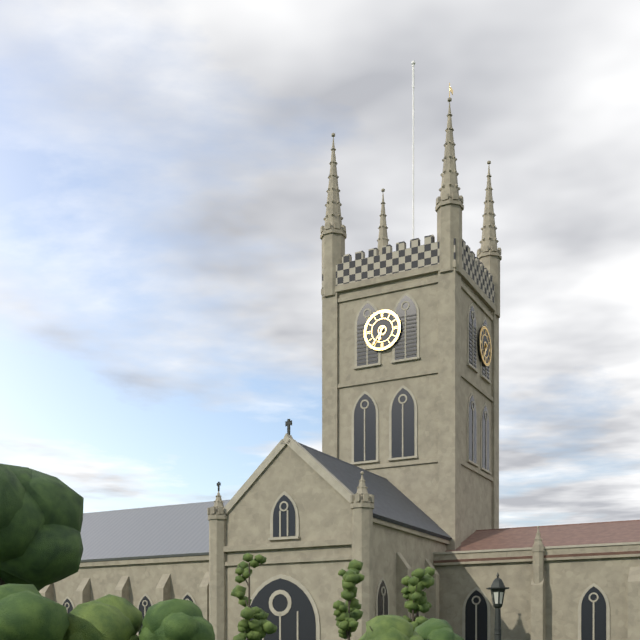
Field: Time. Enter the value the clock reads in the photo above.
6:36
